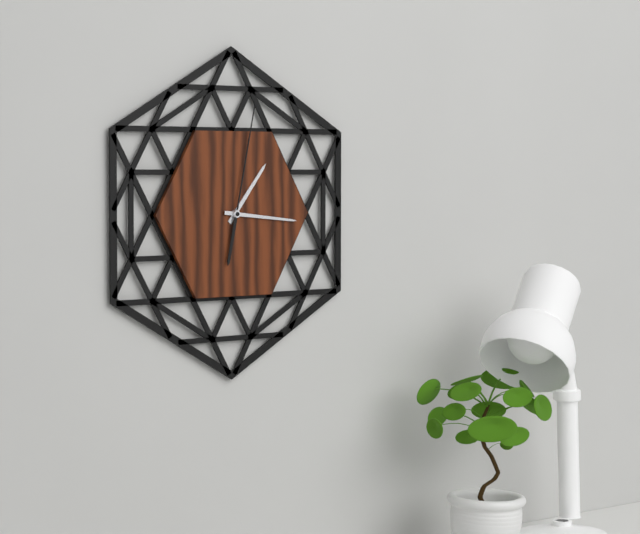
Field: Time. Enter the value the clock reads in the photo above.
1:16:02
